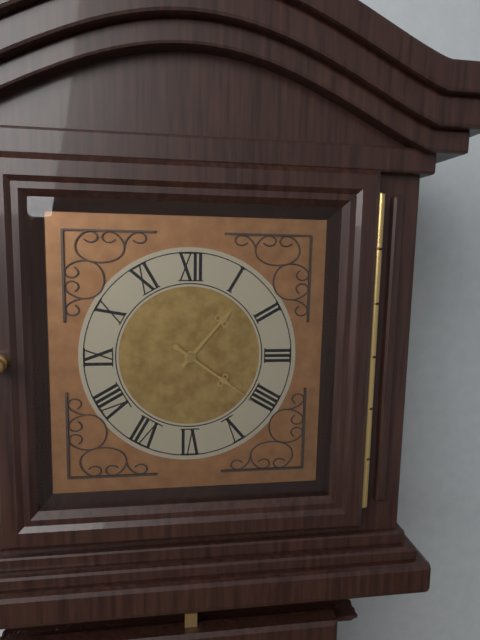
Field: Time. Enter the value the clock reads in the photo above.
1:21
